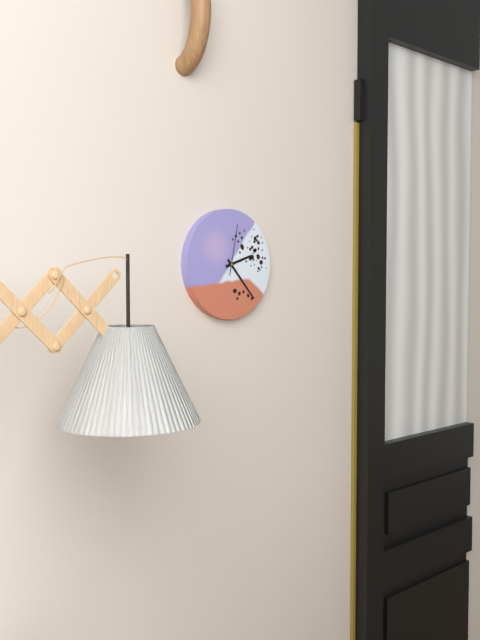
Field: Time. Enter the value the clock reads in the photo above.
2:23:02
